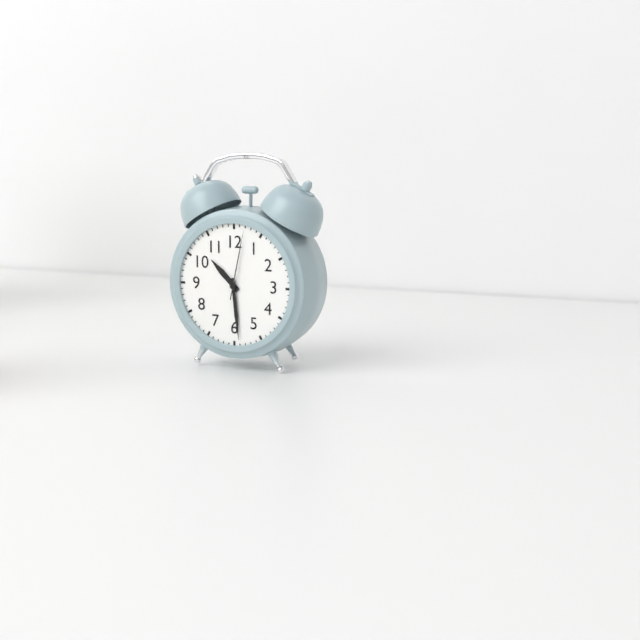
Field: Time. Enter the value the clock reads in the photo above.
10:29:02
